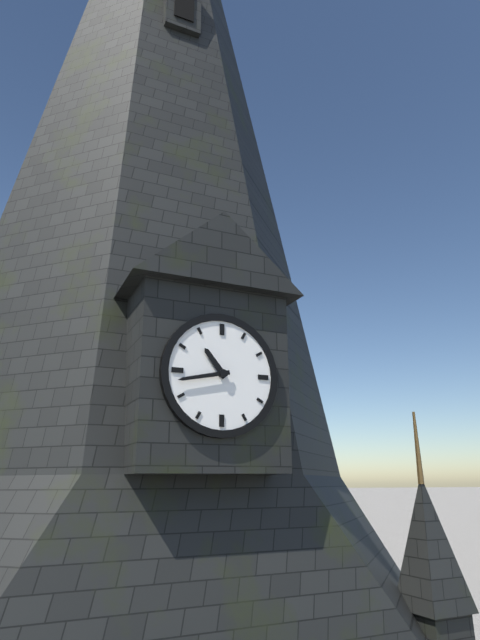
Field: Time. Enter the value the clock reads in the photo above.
10:43
